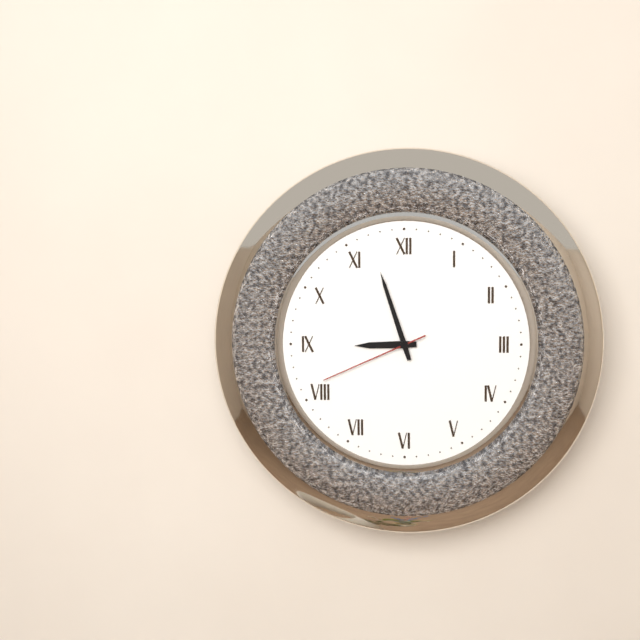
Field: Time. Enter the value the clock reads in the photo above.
8:57:41
